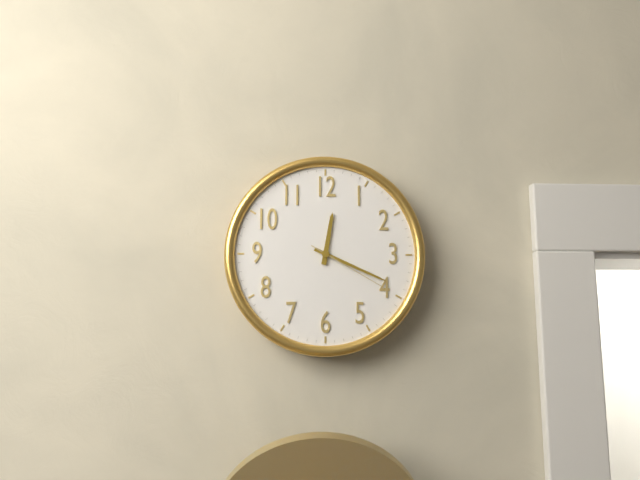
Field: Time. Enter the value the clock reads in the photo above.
12:19:20
